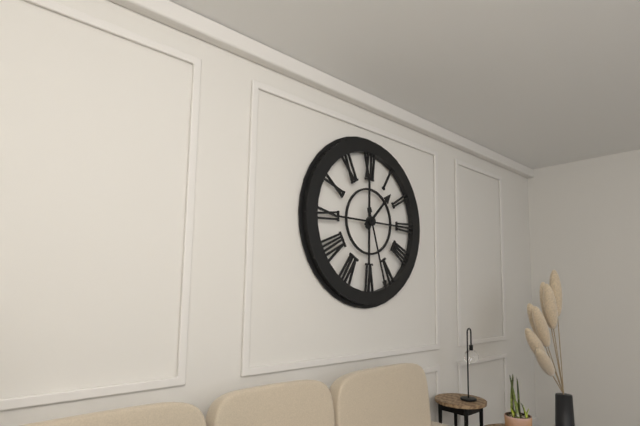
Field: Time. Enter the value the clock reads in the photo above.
1:27
